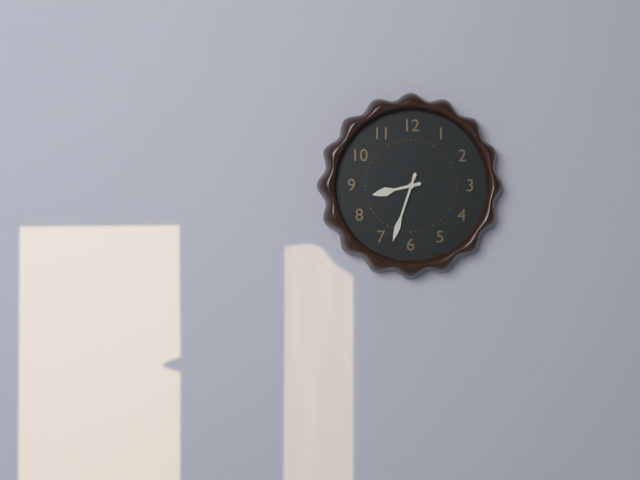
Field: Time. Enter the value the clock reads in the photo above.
8:33
